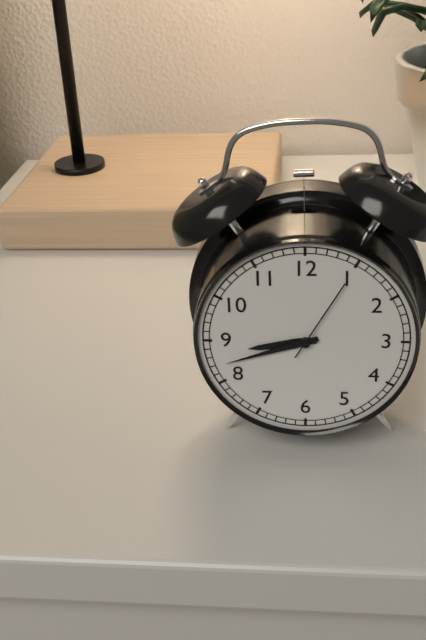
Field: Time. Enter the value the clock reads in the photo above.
8:42:05
